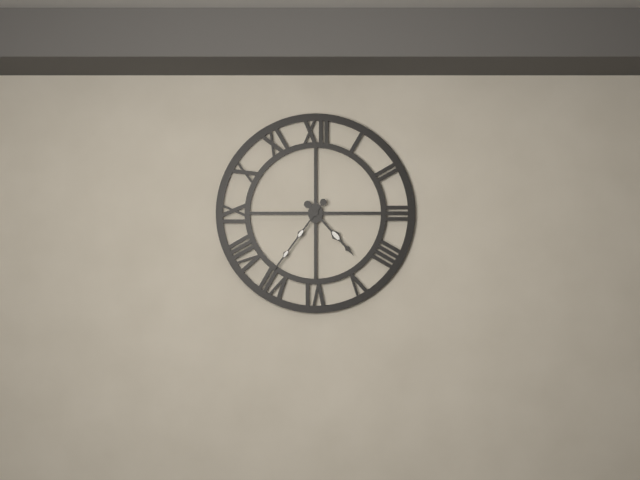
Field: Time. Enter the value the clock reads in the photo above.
4:36
